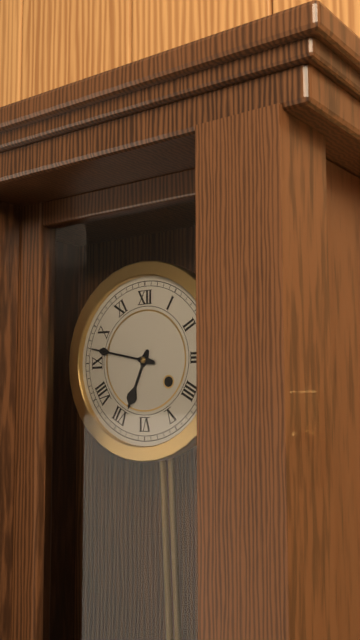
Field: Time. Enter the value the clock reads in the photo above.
6:47
